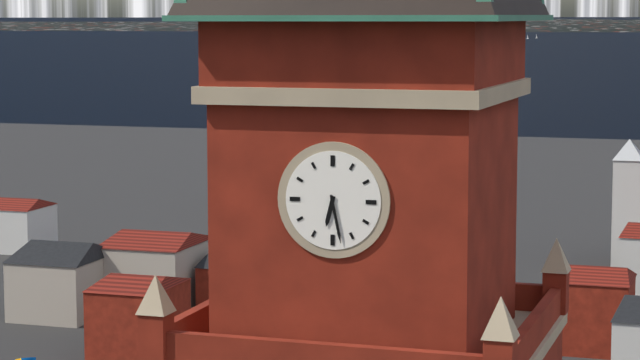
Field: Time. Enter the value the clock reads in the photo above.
6:28
